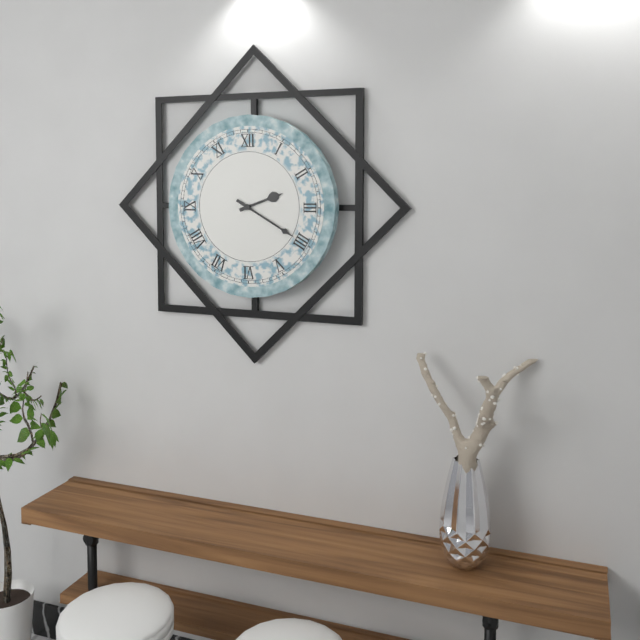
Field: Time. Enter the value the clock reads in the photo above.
2:20
